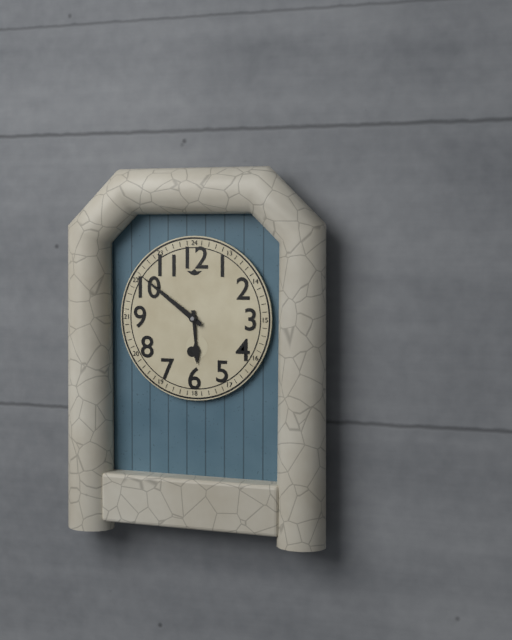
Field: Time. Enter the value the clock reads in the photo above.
5:51
